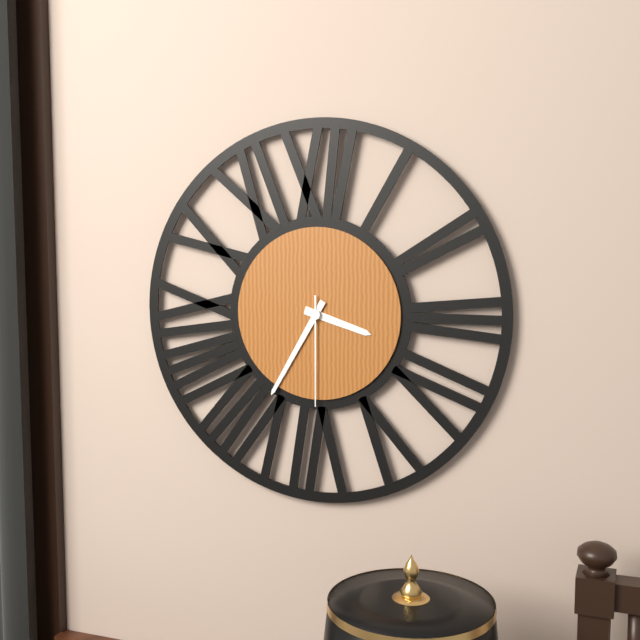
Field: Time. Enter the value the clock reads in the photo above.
3:35:30
